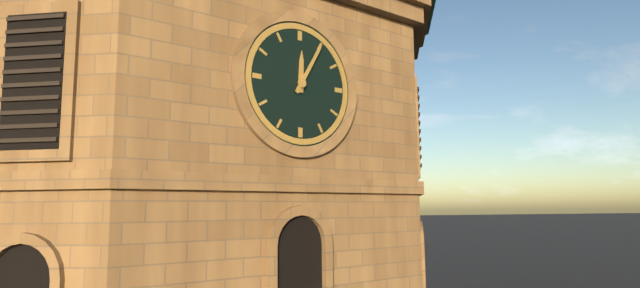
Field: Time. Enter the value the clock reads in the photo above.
12:05
